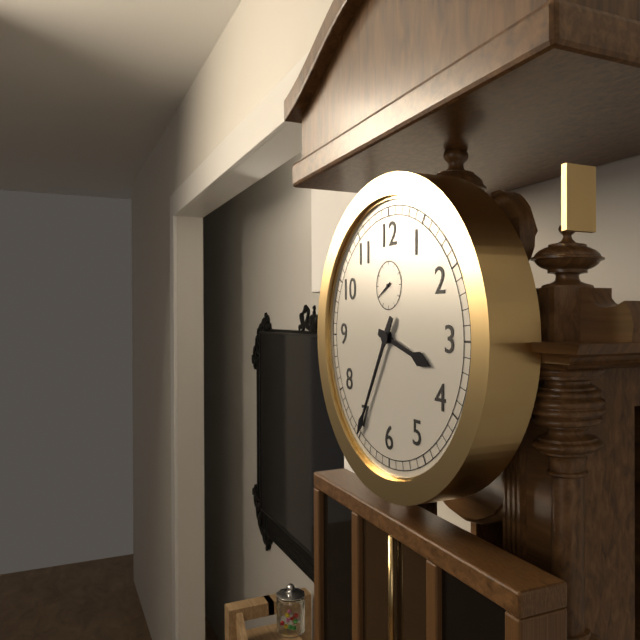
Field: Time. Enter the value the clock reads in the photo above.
3:35
